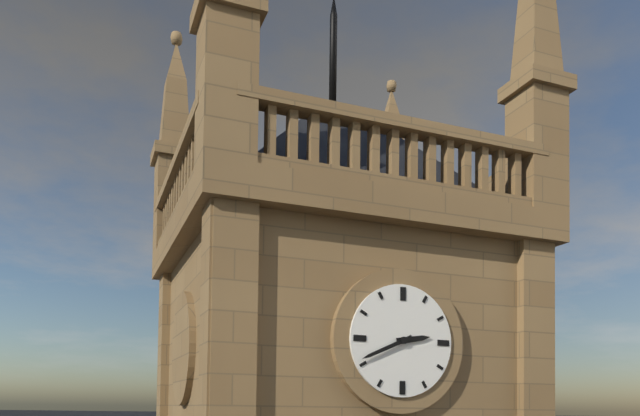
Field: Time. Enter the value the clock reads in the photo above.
2:41
